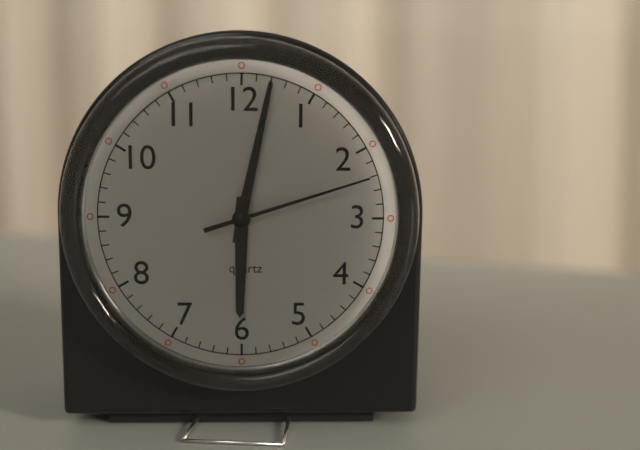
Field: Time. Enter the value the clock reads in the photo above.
6:02:12
